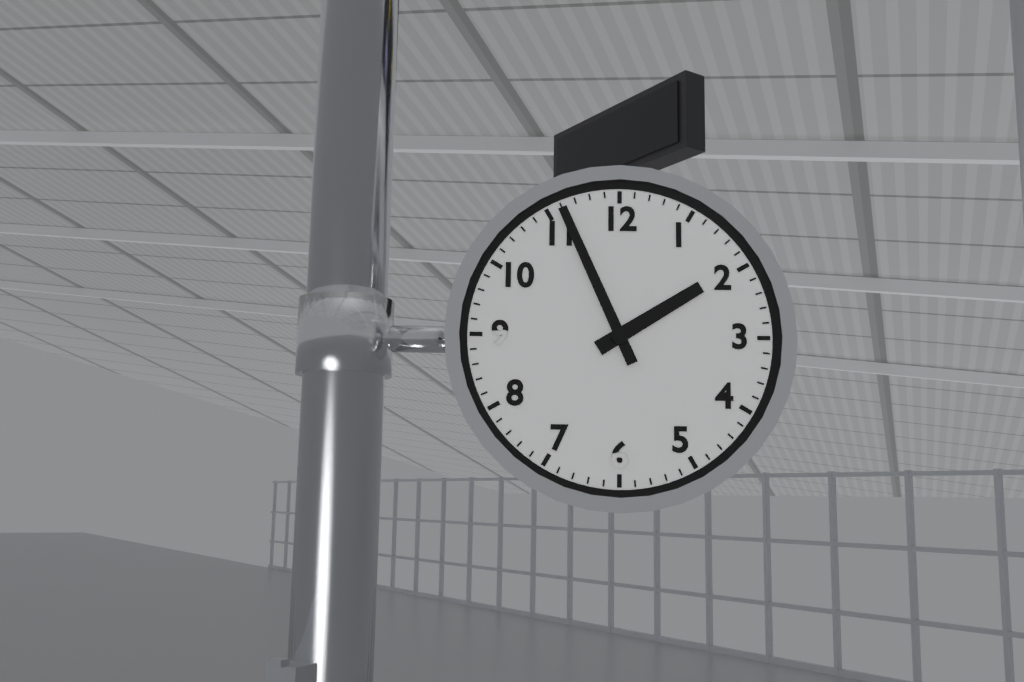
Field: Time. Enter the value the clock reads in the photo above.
1:56
